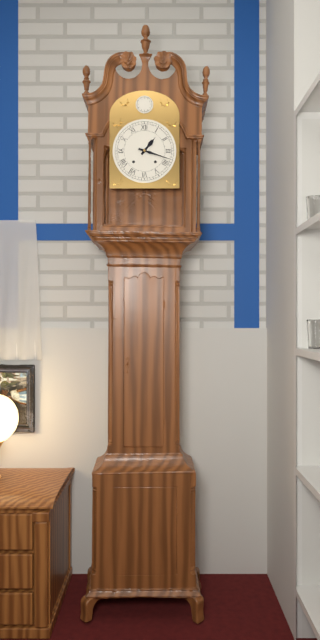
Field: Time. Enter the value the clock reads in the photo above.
1:18
